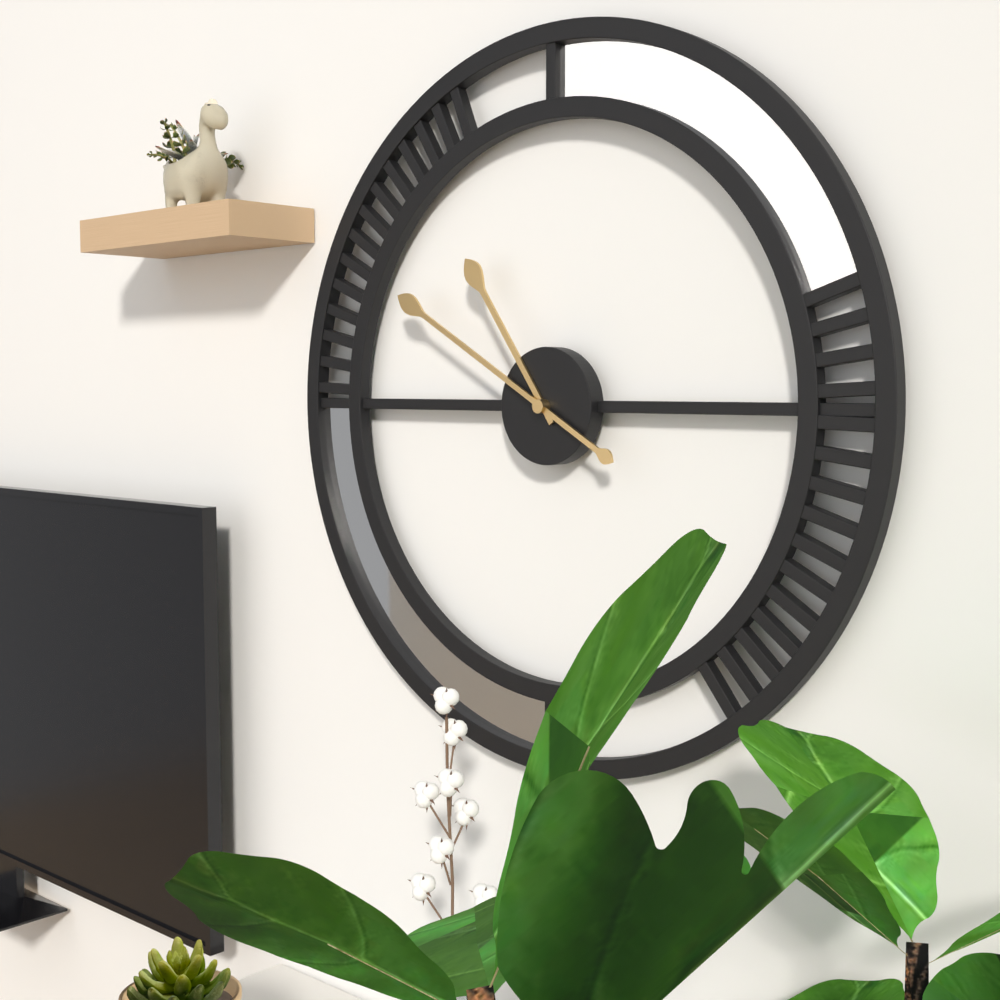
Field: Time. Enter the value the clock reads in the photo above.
10:50
